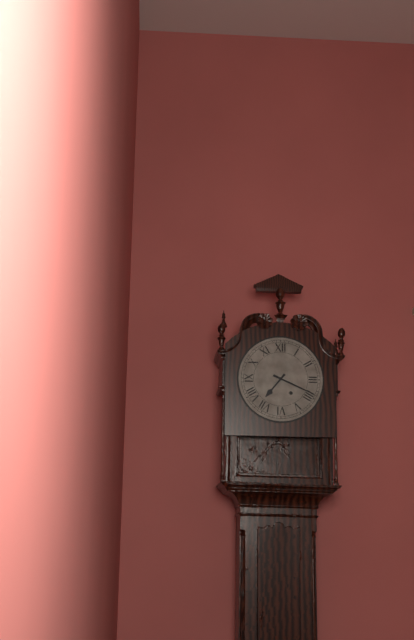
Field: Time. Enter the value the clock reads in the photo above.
7:19
